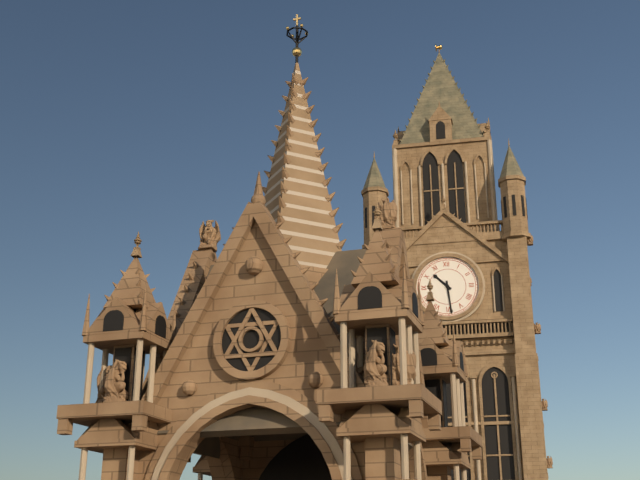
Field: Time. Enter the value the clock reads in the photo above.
10:29
